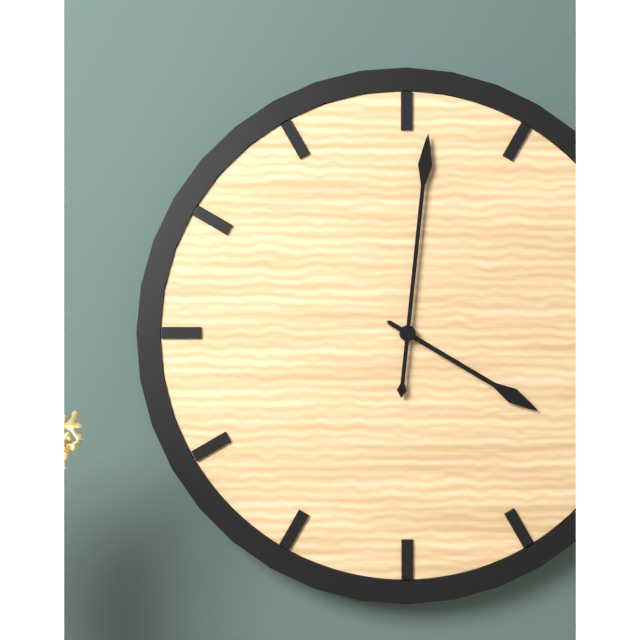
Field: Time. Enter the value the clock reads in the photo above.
4:01
